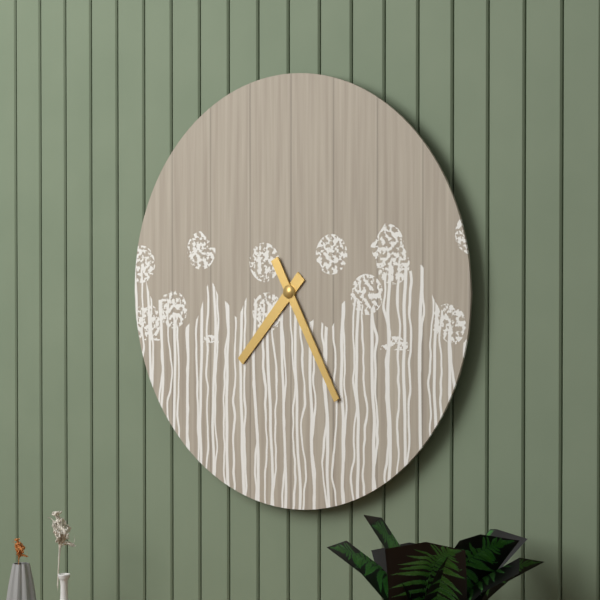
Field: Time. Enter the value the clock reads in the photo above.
7:25
